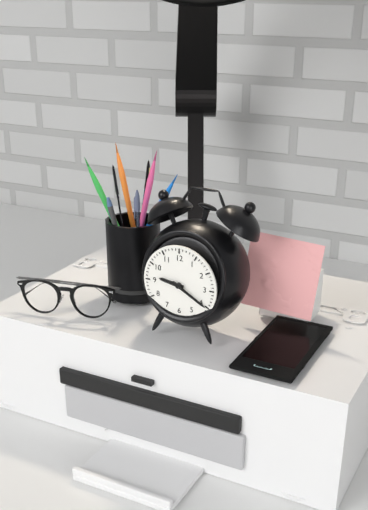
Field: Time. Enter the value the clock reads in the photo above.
9:20
